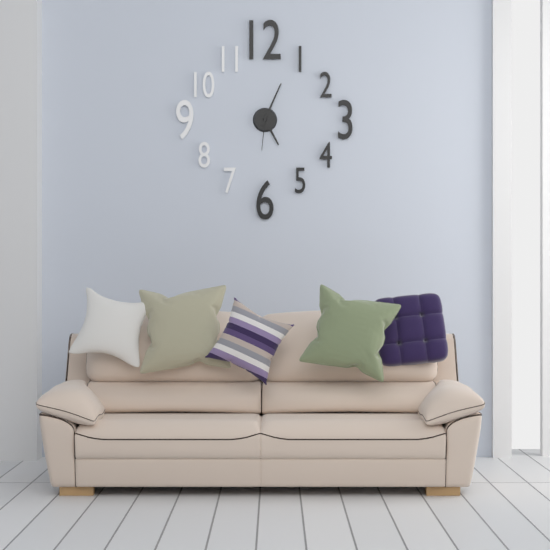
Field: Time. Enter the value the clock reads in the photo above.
5:04
